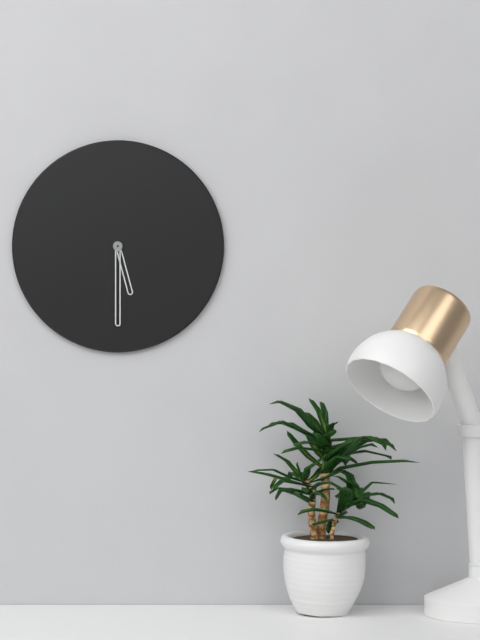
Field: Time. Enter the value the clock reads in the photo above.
5:30
